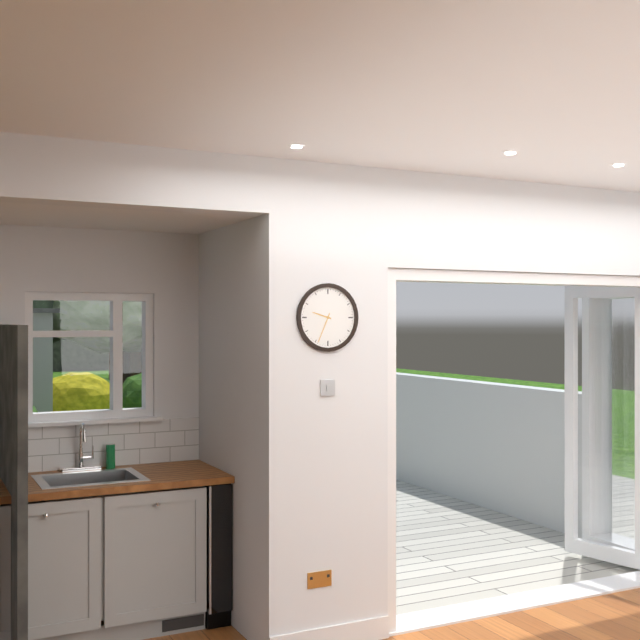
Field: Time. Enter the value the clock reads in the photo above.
9:34
